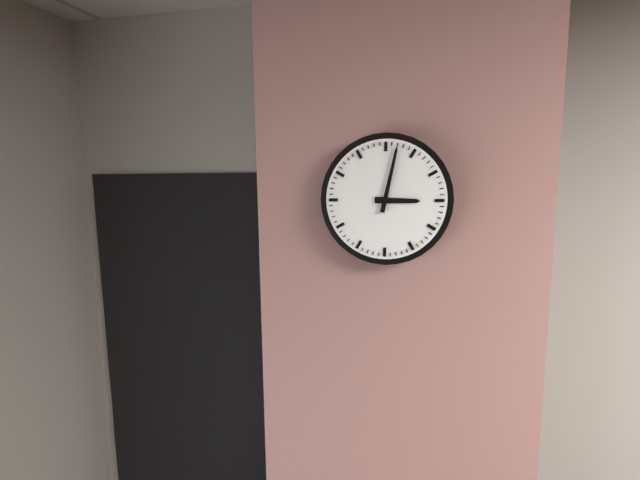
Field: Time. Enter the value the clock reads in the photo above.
3:02
